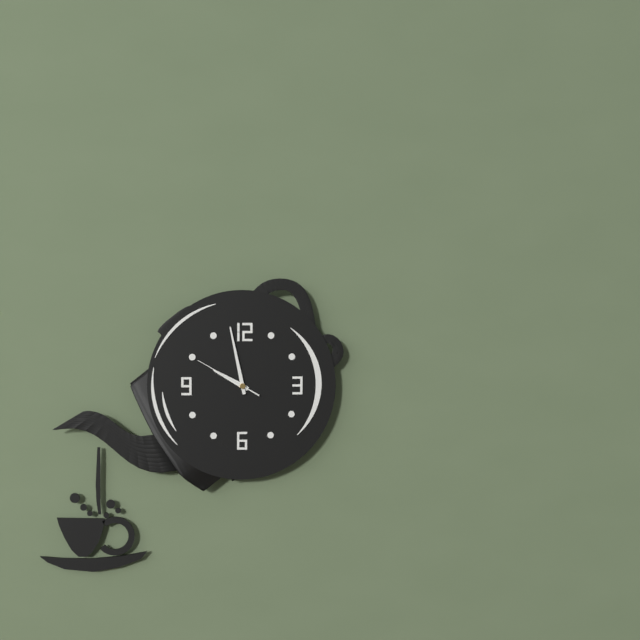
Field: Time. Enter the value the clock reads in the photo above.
9:58:50
